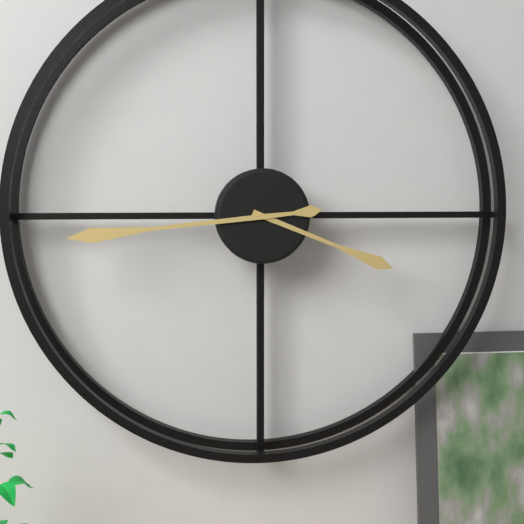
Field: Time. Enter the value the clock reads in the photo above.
3:44
